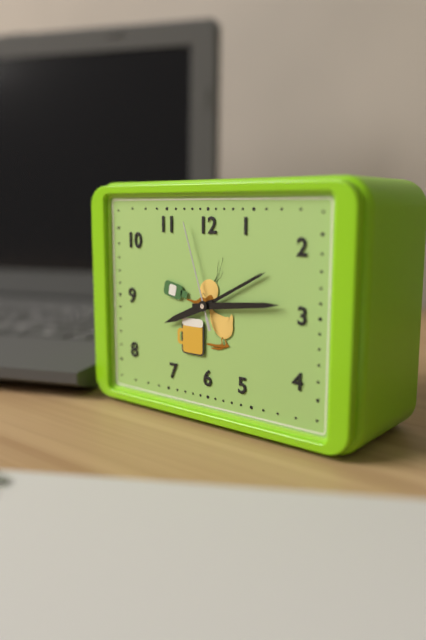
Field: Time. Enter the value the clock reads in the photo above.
8:14:57
